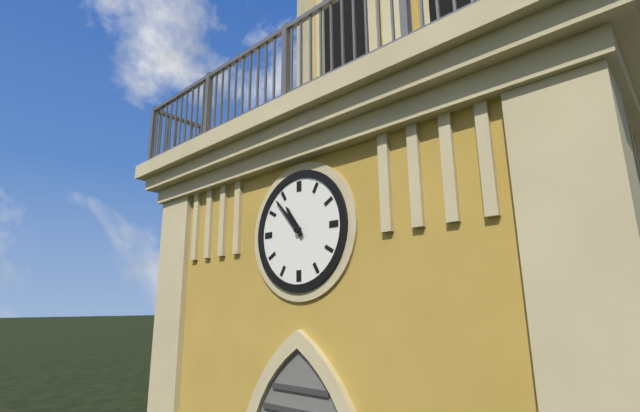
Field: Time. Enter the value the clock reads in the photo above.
10:53
